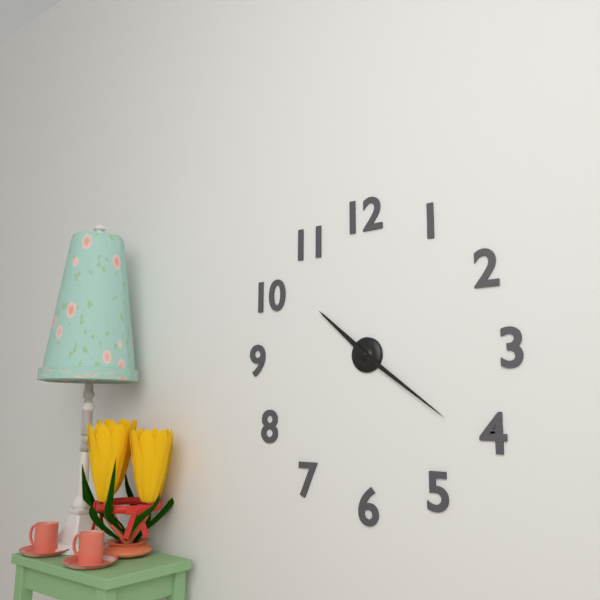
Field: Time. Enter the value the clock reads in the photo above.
10:21
